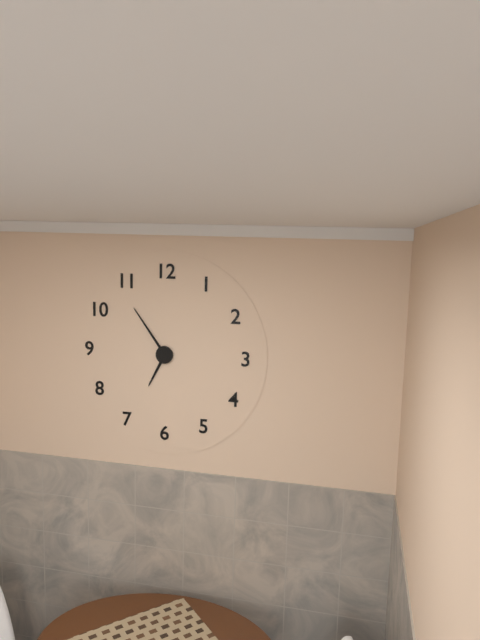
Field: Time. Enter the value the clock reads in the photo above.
6:54
